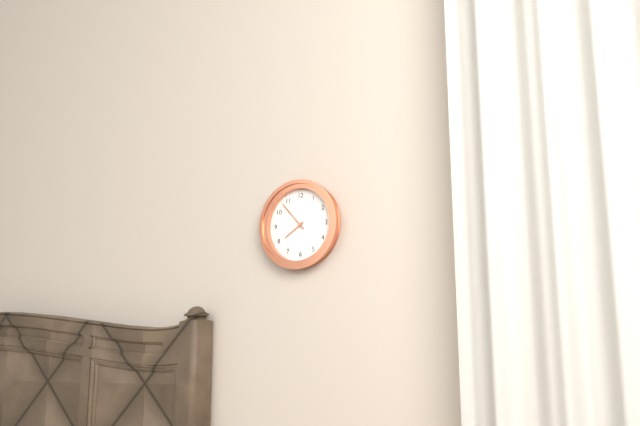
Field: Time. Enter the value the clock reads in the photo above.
7:53
